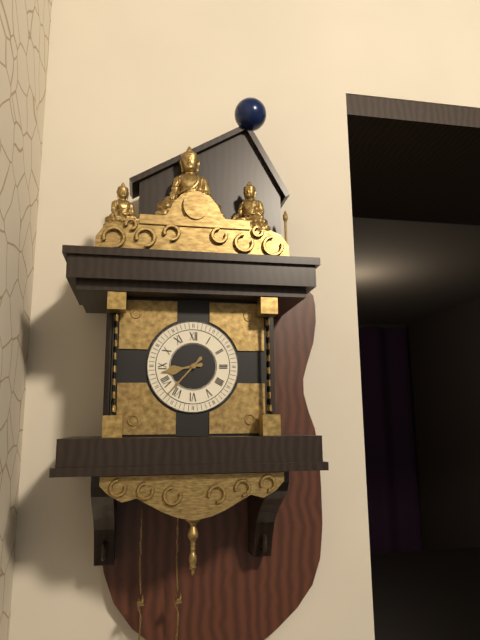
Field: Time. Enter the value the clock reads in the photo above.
8:37
